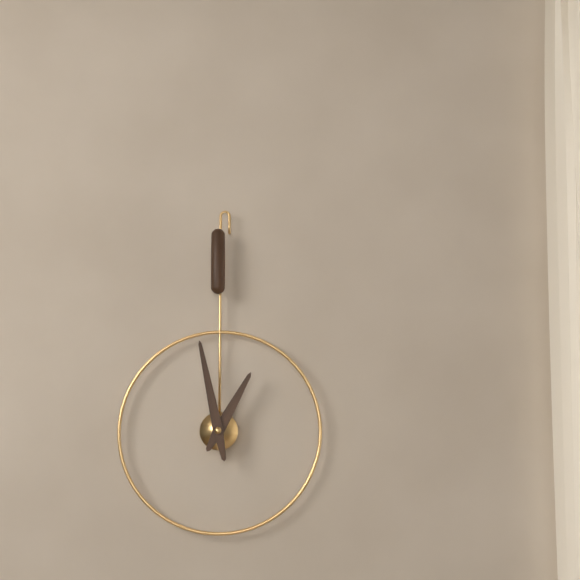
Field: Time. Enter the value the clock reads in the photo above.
12:58
